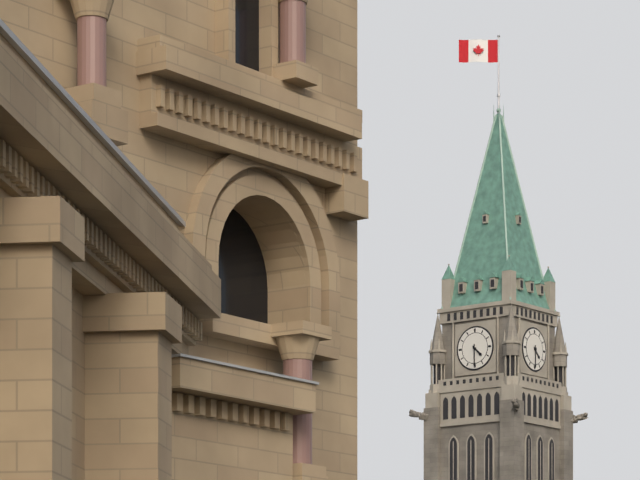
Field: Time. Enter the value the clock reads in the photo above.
4:30
